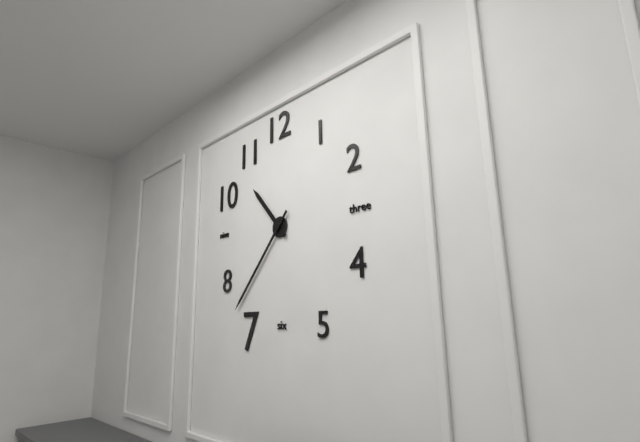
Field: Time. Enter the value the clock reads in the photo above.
10:37
